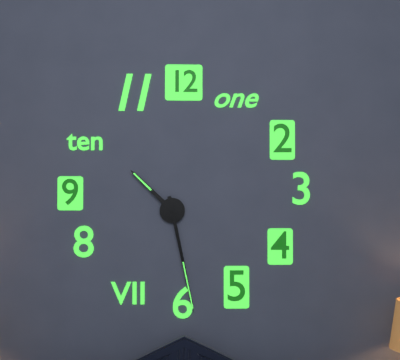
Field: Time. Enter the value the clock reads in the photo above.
10:28
